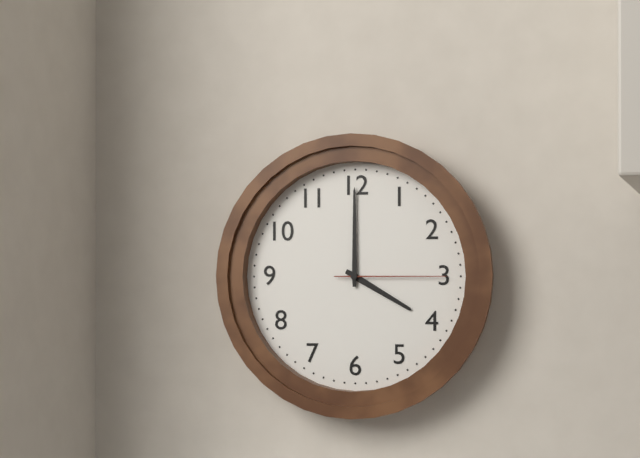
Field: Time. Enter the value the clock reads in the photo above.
4:00:15
